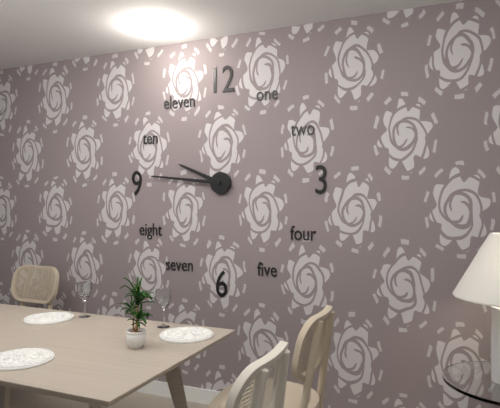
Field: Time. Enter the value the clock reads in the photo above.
9:46
